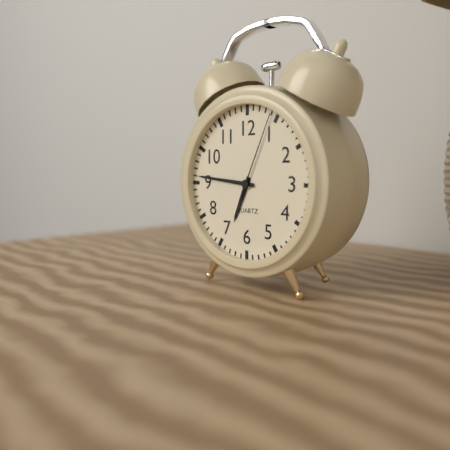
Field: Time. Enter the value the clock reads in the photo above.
6:46:04
